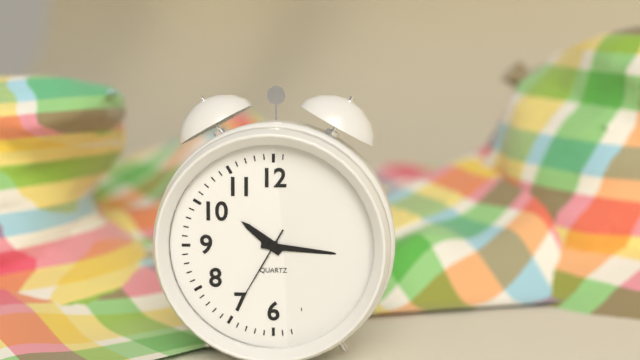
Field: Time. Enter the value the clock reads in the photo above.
10:16:35
